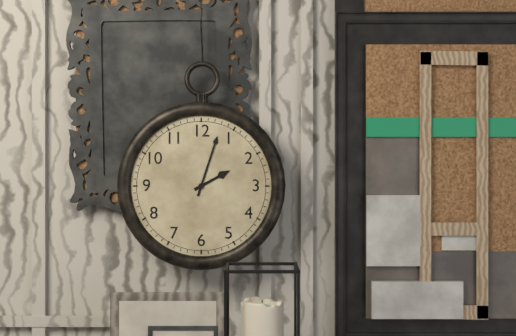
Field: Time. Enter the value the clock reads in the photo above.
2:03
